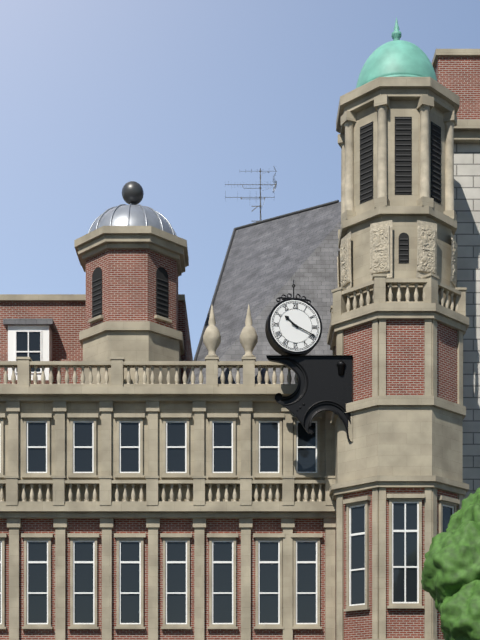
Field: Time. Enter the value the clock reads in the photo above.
10:19
